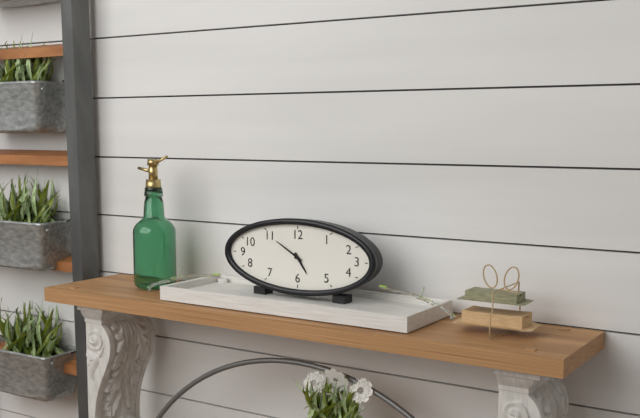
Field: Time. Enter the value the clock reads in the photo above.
4:50
